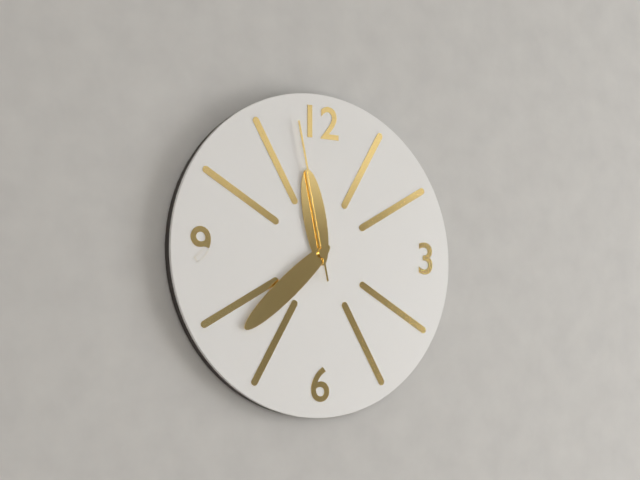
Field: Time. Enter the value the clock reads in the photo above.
11:38:58
